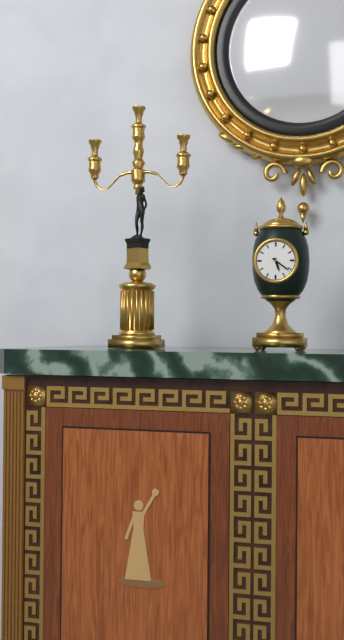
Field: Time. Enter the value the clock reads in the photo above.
5:21
